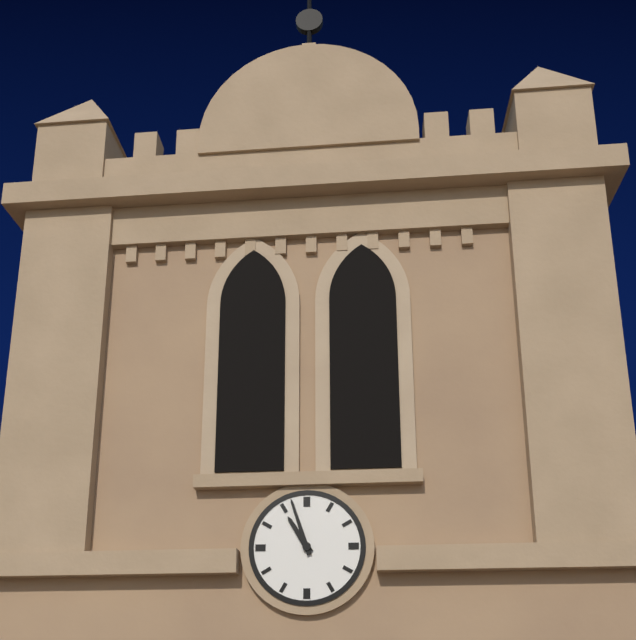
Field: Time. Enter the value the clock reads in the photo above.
10:57
